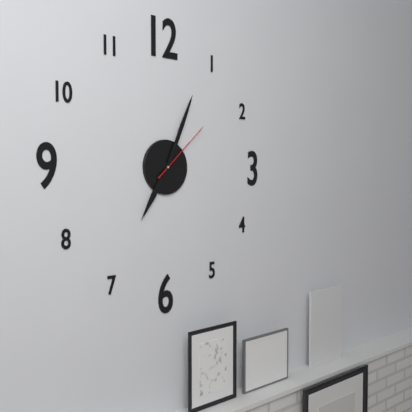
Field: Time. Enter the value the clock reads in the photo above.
7:04:08
